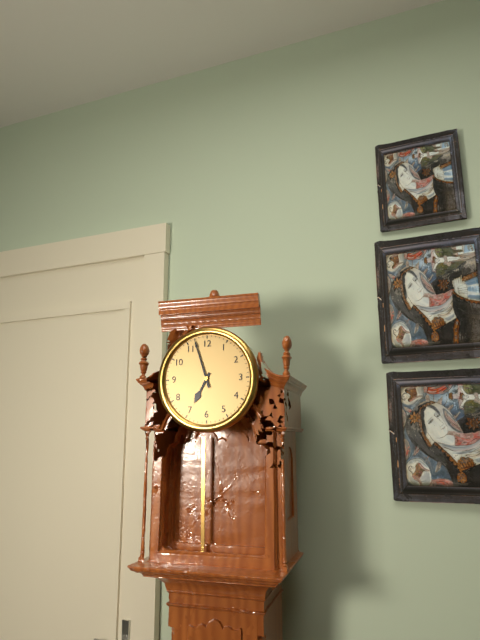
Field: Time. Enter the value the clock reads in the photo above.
6:57
